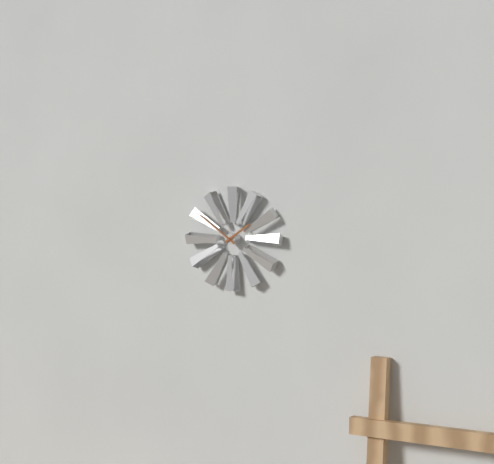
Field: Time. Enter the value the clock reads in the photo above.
1:51
